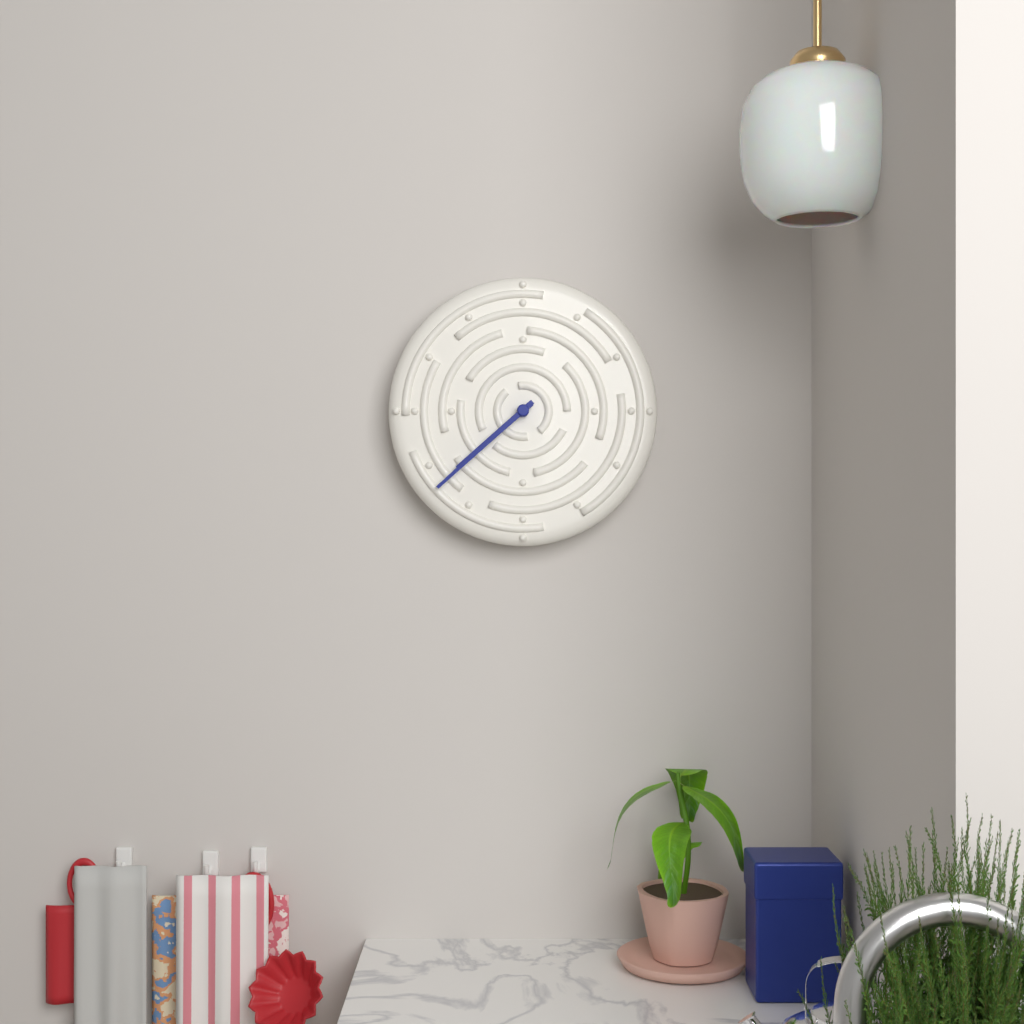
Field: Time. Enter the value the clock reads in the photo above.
7:38
